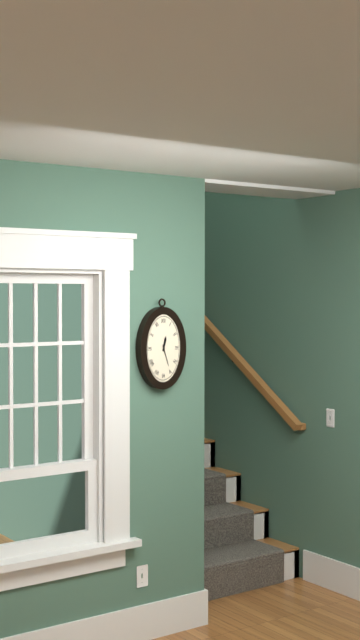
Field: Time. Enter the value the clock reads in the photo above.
12:27
